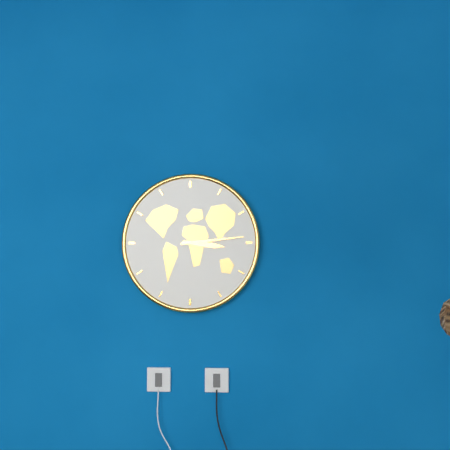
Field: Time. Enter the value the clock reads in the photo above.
3:14
